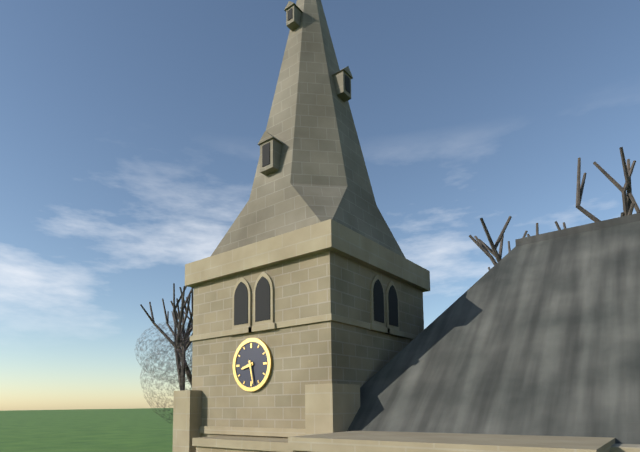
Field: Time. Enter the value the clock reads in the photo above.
8:28
